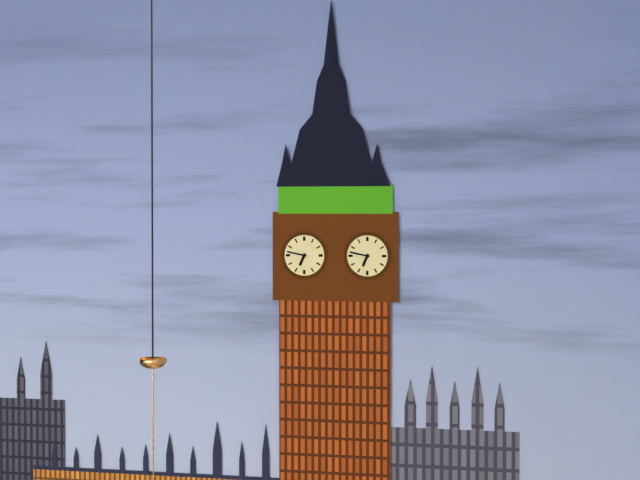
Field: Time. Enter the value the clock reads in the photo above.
6:47
